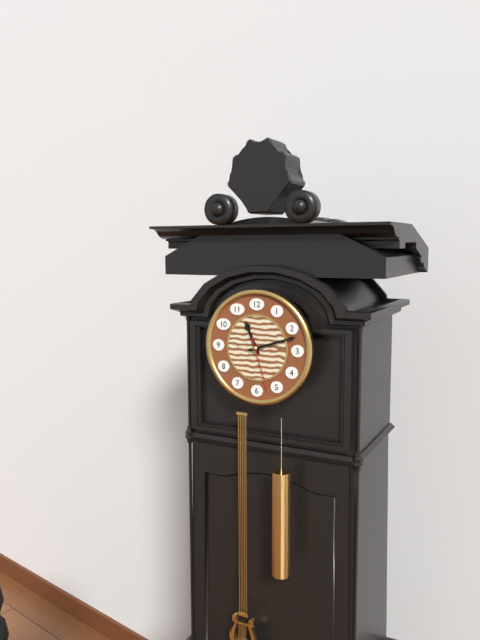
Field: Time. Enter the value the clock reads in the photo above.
11:12:27
